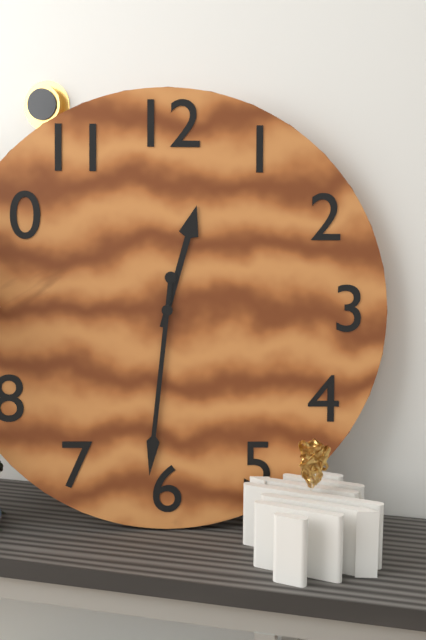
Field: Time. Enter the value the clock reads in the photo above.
12:31
